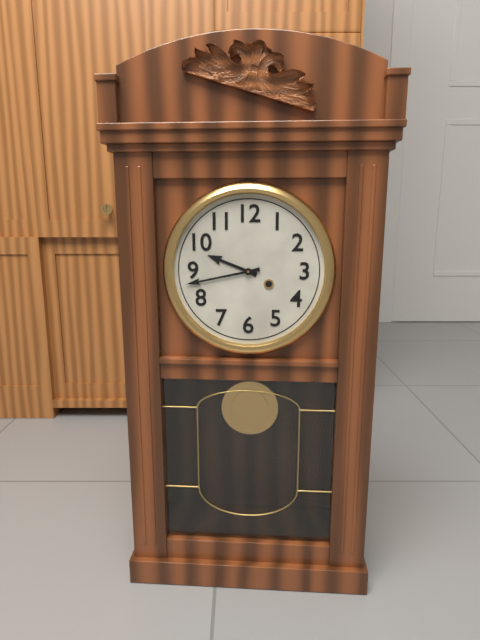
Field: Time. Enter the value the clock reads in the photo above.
9:43
